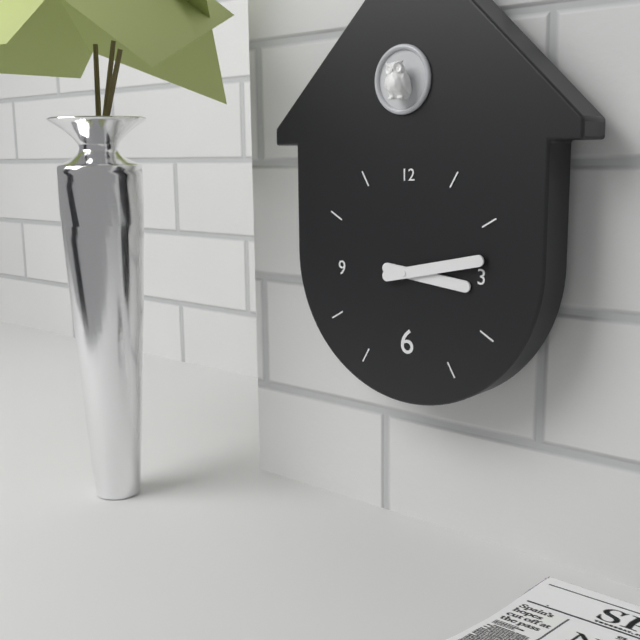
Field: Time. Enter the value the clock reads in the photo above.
3:13
